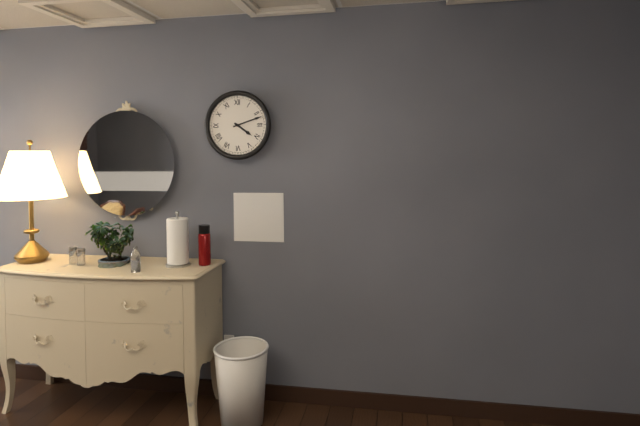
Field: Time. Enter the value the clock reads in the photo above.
4:12
